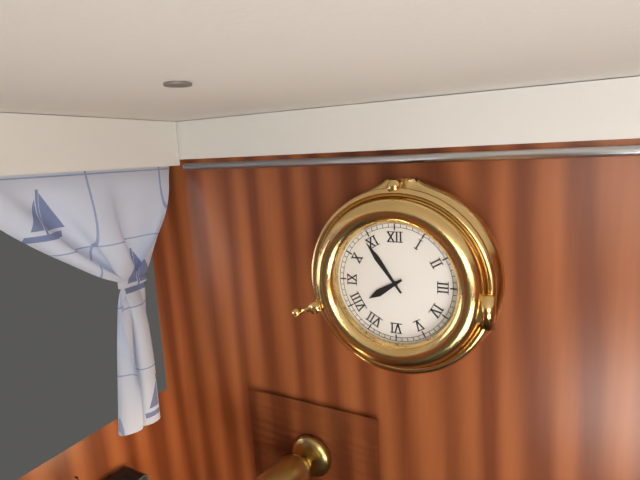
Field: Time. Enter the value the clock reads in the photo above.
7:54
